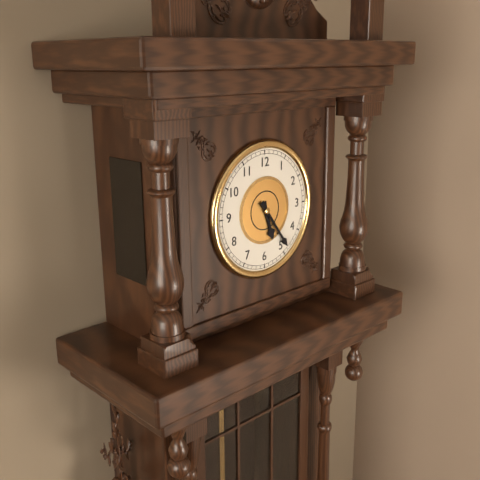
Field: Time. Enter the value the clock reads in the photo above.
5:24
